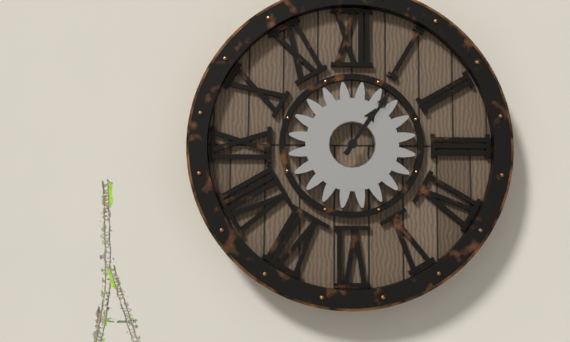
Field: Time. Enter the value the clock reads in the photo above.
1:06
